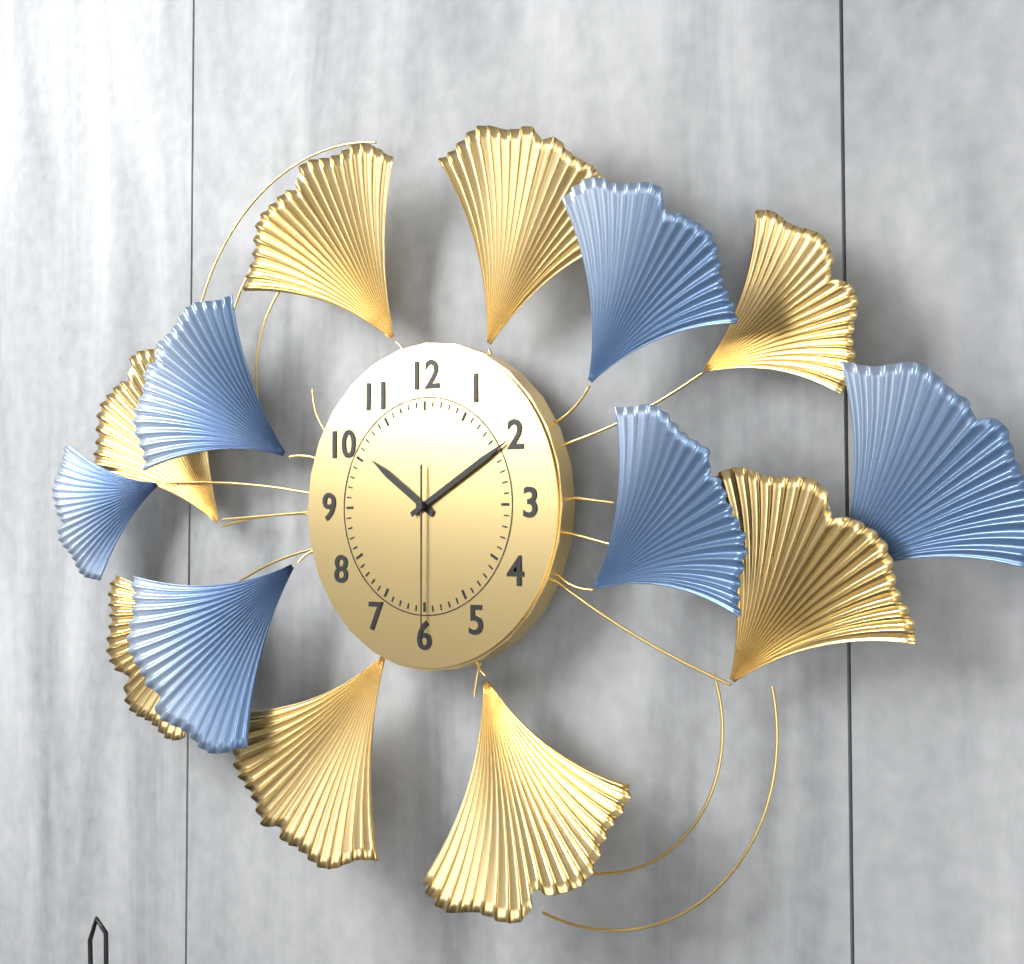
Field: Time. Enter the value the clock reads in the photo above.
10:10:30
